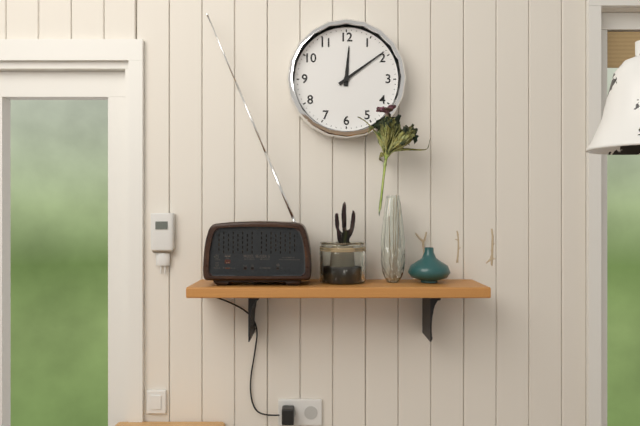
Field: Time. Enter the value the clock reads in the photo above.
12:09
